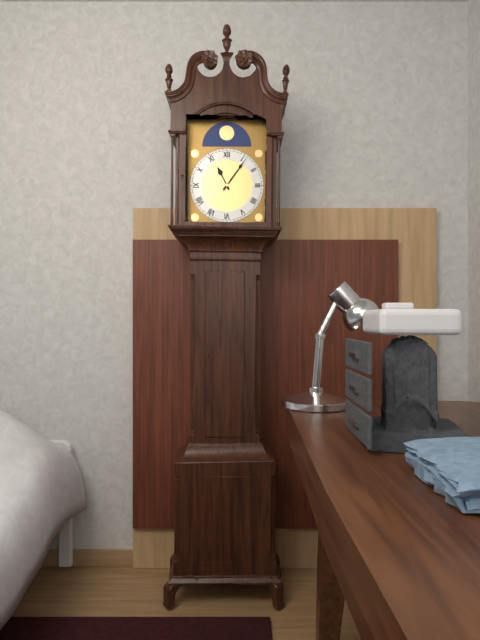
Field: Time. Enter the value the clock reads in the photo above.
11:06
